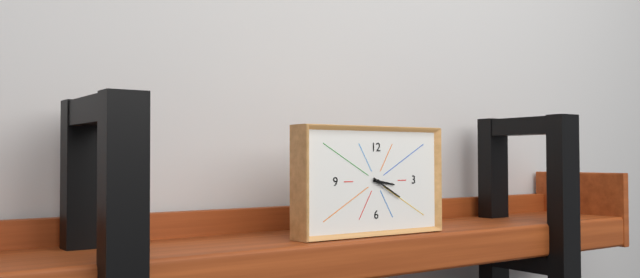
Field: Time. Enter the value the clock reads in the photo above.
3:20
